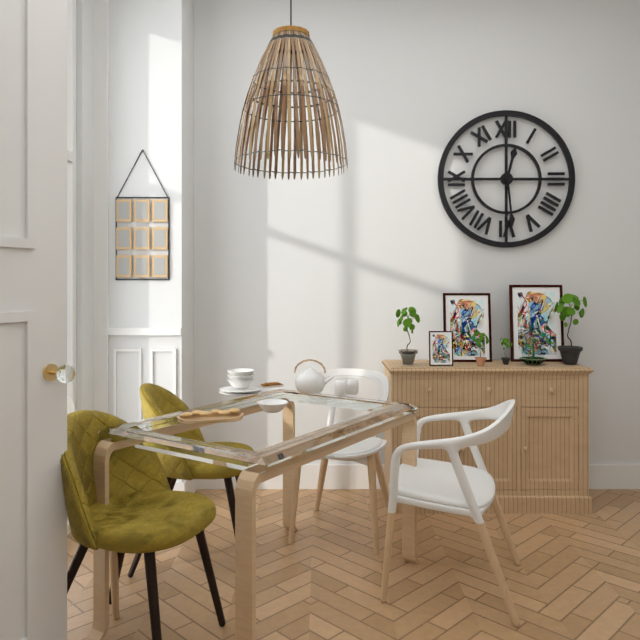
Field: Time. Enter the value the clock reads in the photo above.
12:29
